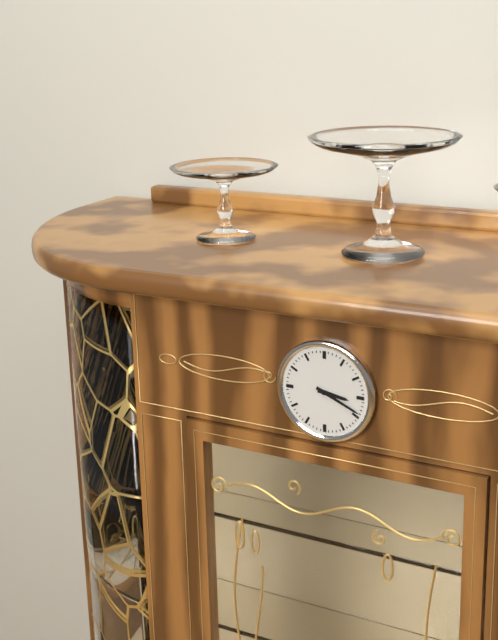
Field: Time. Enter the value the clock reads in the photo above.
3:19
